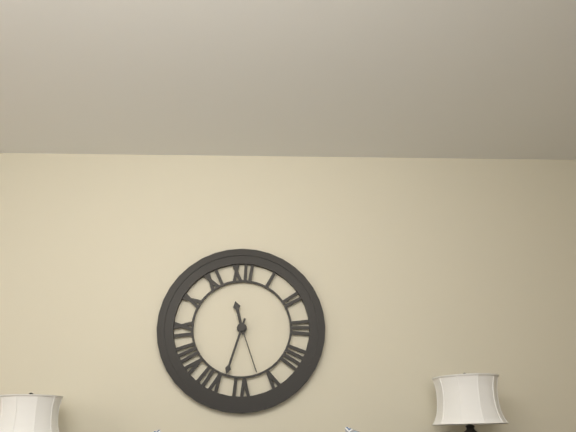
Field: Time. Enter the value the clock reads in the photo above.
11:33:27
